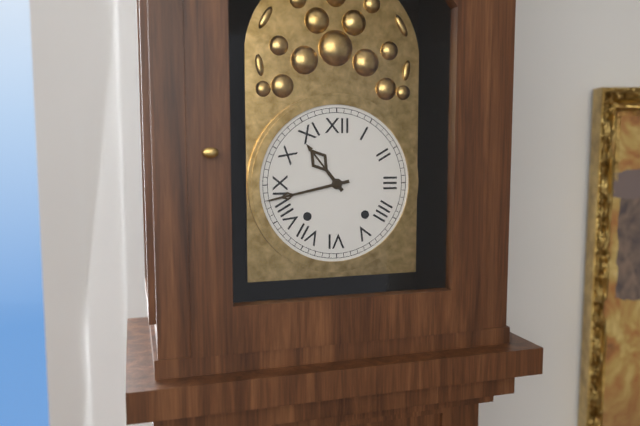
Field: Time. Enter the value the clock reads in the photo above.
10:43
